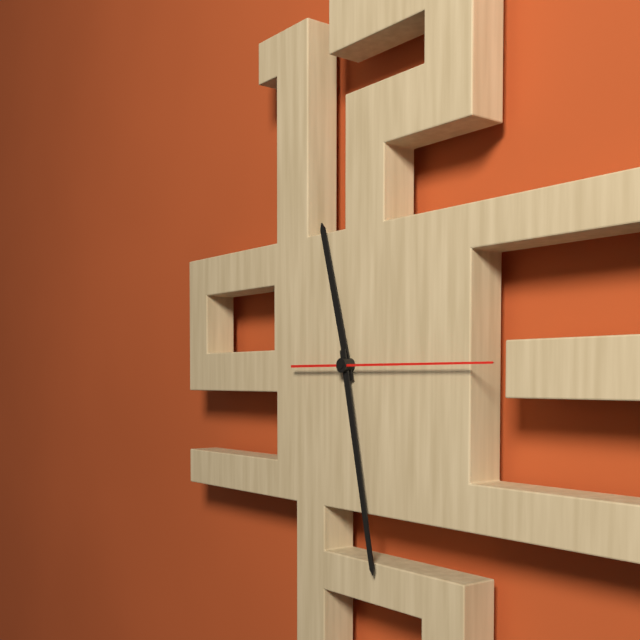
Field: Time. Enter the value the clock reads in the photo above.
11:28:15
